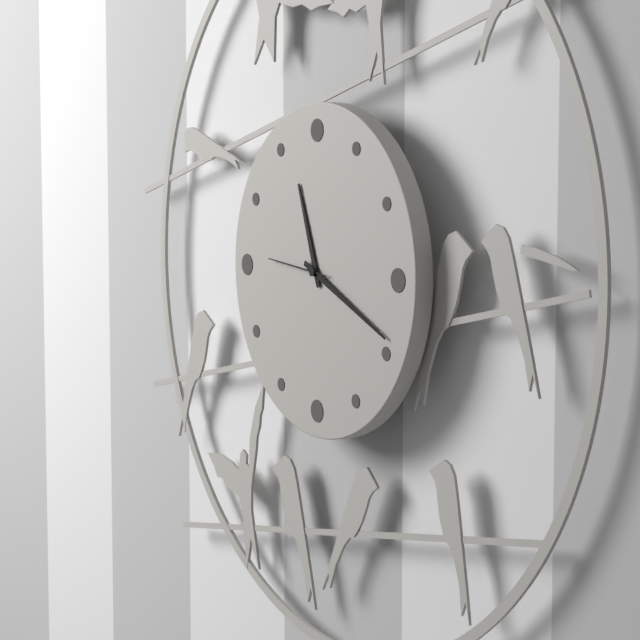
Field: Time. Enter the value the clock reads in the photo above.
11:19:46
